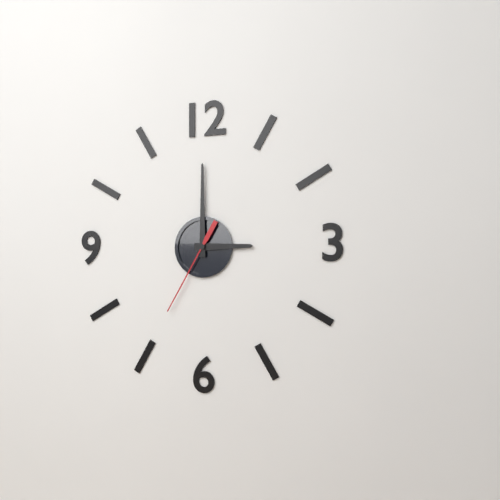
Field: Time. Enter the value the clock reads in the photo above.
3:00:35
